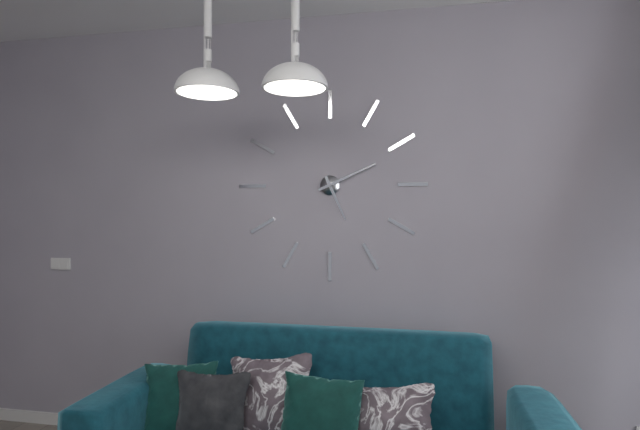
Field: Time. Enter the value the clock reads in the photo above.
5:11
